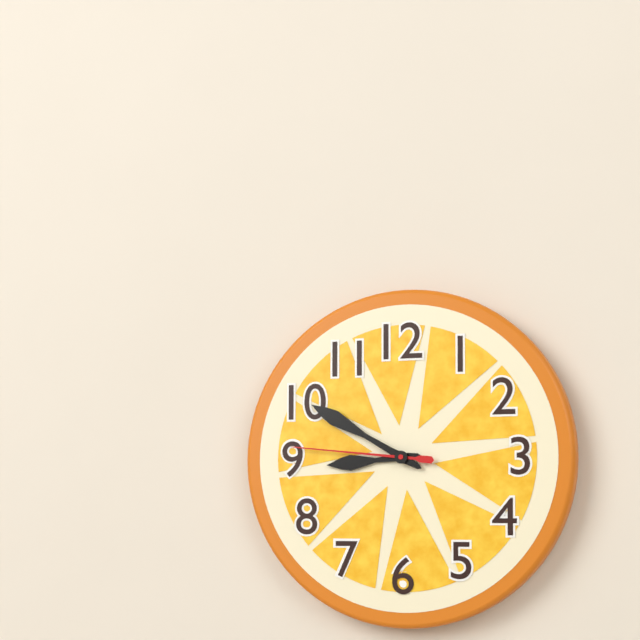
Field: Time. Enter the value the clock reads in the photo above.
8:50:46
